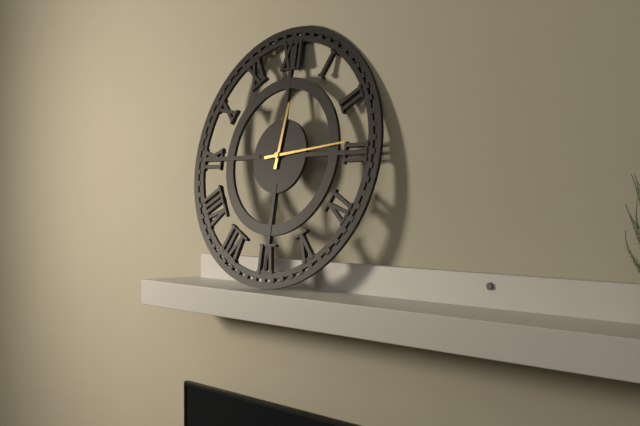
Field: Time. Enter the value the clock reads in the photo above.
12:14
